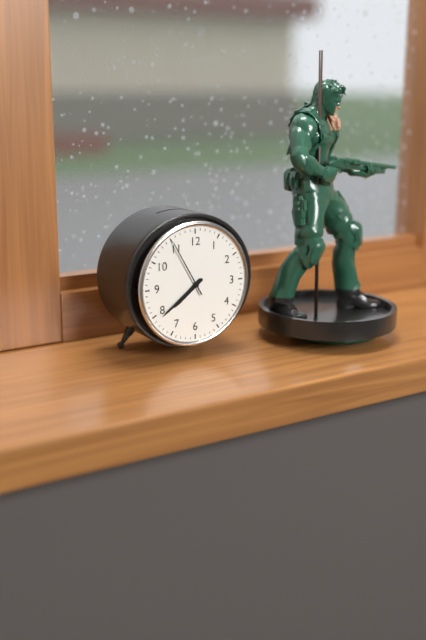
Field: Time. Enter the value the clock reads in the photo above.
7:39:55
